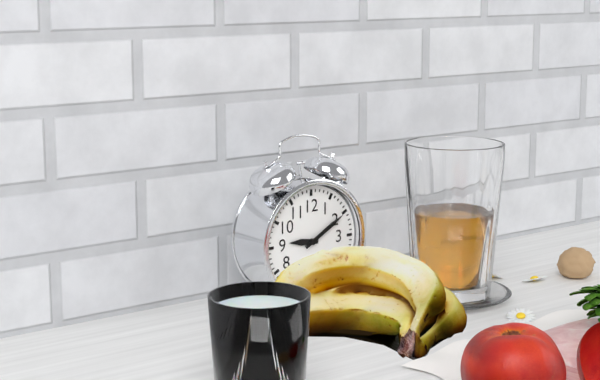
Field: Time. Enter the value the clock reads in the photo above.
9:10
